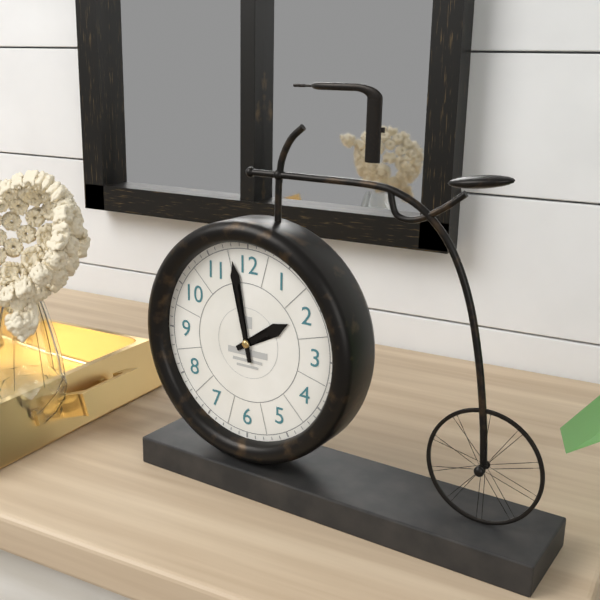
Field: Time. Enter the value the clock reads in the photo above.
1:58
